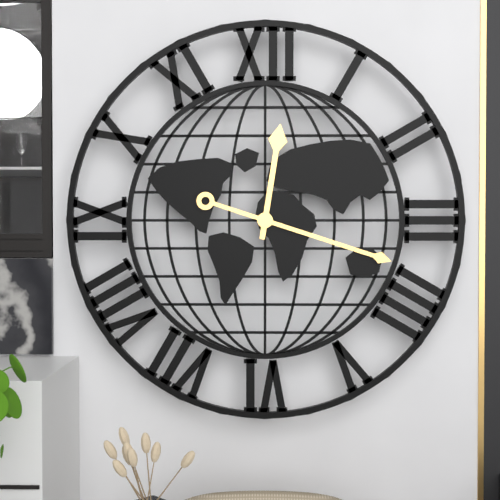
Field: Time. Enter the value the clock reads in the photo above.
12:18
